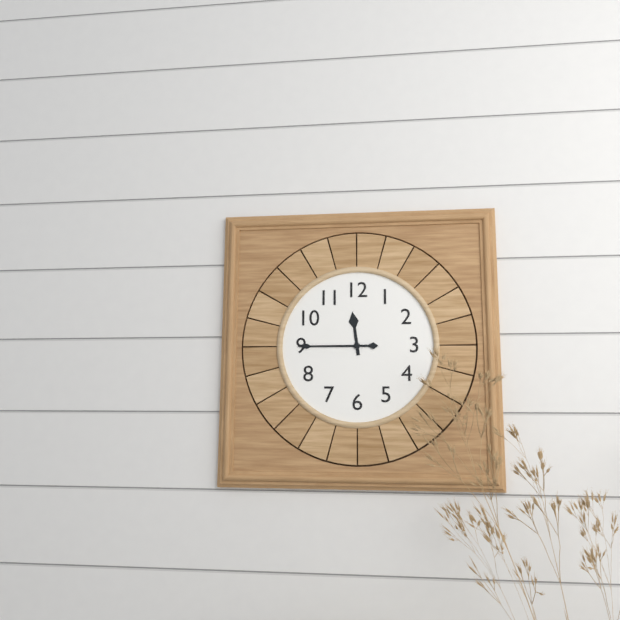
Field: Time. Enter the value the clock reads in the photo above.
11:45
